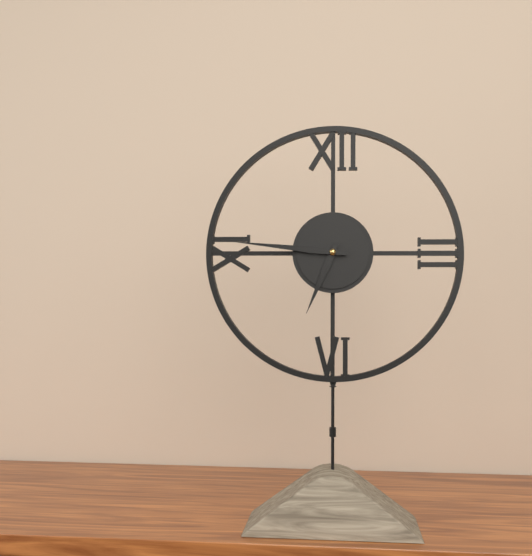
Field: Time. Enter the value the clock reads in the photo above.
6:46
